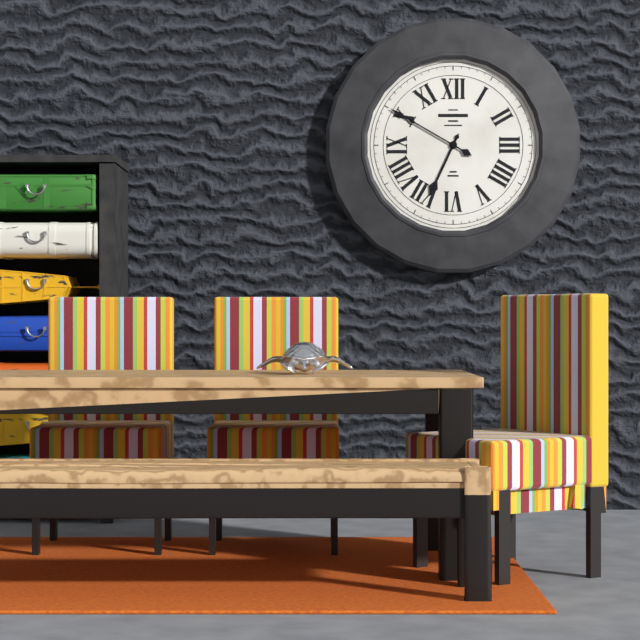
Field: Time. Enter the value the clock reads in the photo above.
6:50
